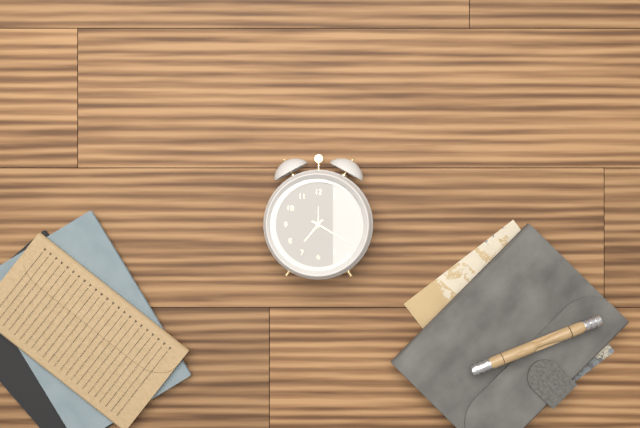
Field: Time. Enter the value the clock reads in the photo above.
7:20
